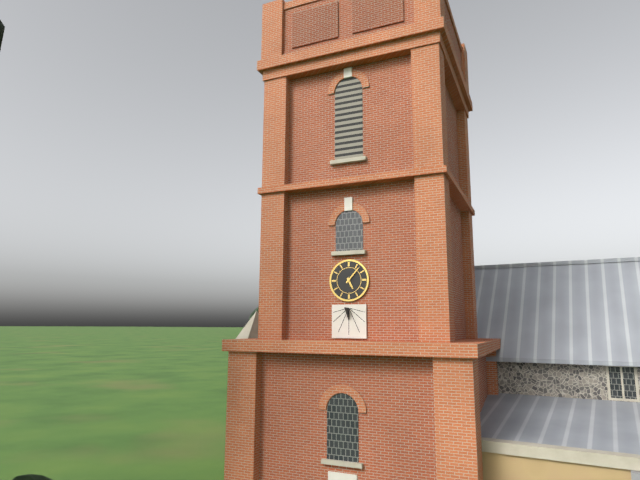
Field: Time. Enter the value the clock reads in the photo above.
5:07
